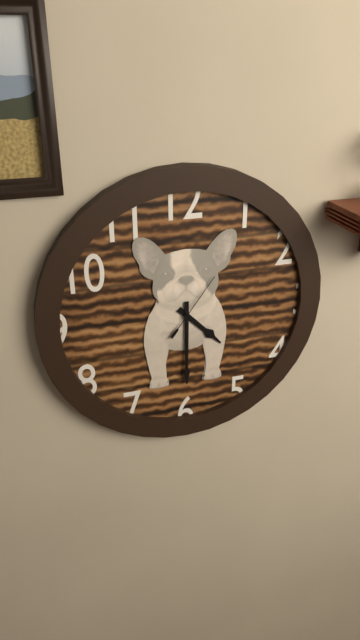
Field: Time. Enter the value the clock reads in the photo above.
4:30:06
